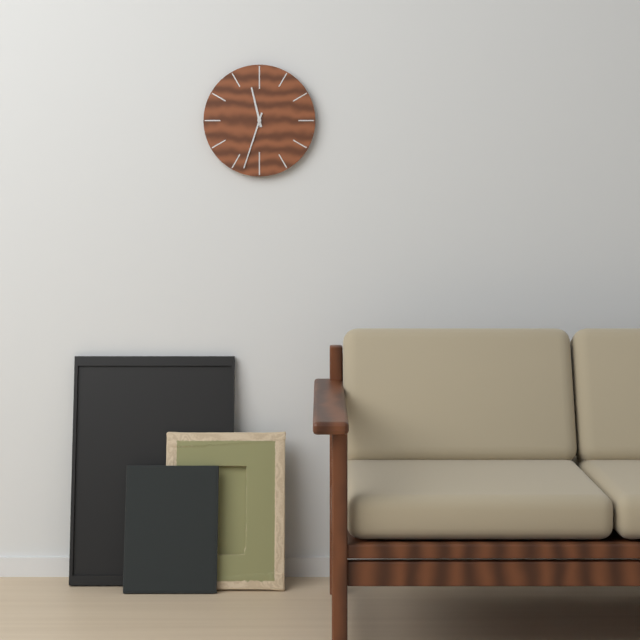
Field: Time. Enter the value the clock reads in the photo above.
11:33
